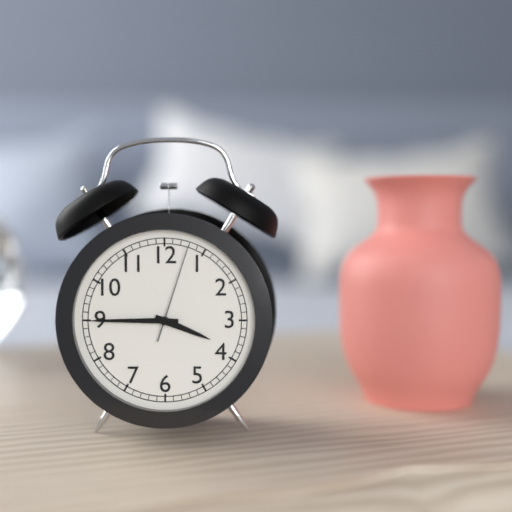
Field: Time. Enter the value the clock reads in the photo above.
3:45:03
